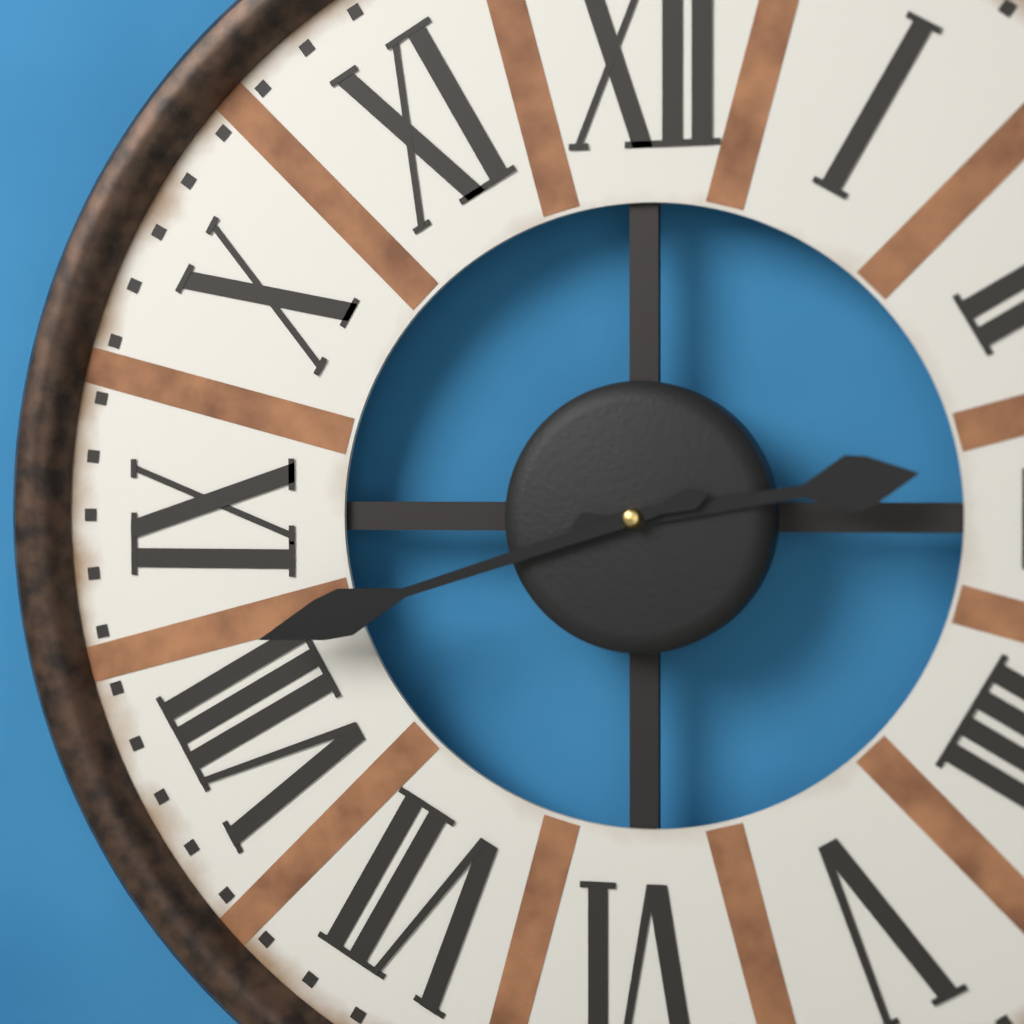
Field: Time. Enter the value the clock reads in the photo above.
2:42
